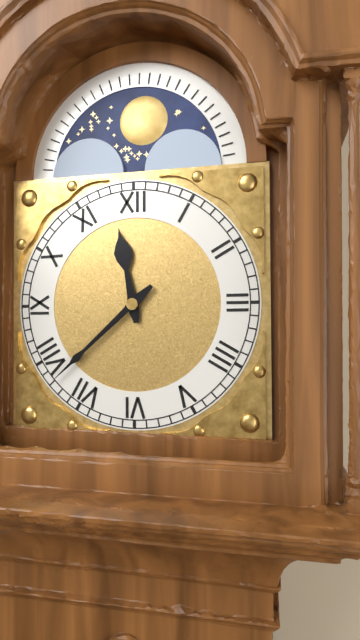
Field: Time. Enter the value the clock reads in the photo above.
11:38
